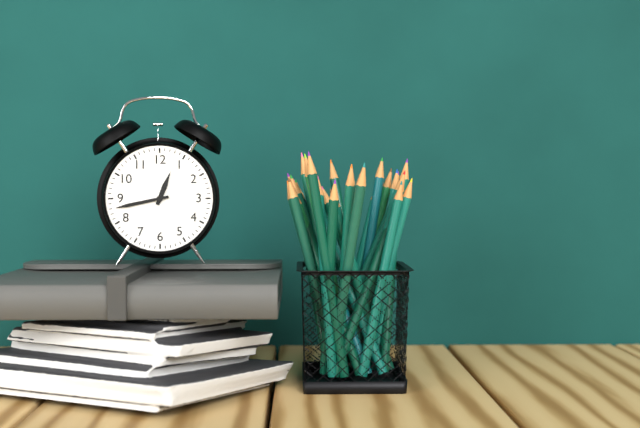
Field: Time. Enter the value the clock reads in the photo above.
12:43
